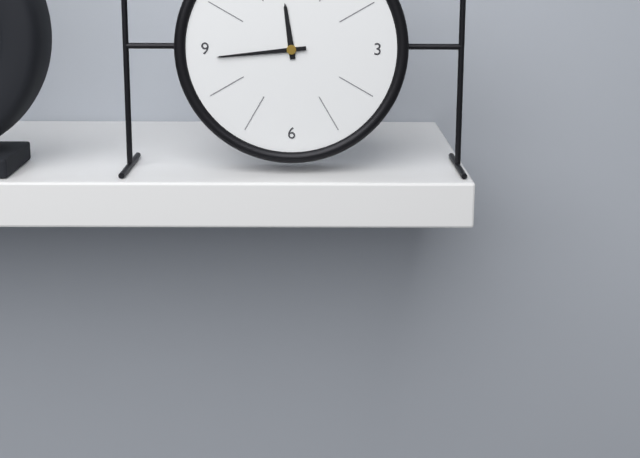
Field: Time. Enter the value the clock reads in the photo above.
11:44
